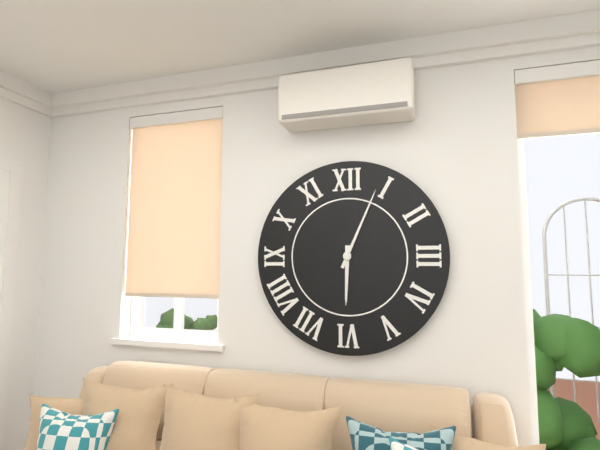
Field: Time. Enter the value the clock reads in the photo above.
6:04
